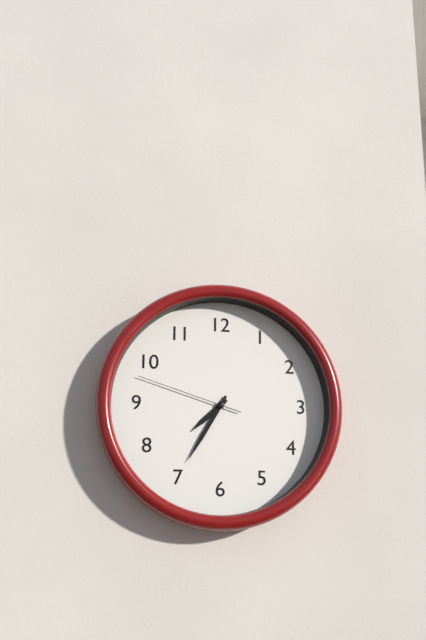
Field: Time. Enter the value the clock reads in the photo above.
7:35:48
